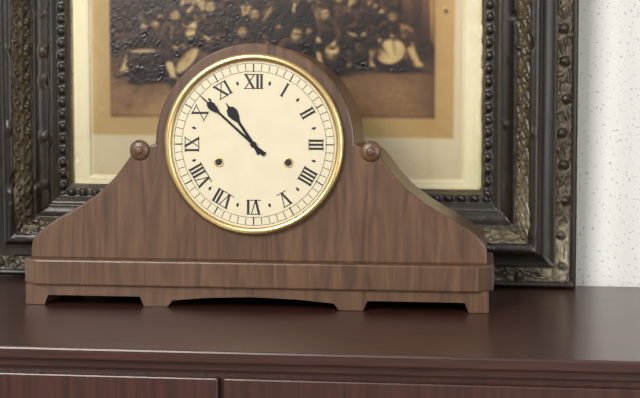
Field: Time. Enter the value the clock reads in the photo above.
10:52
